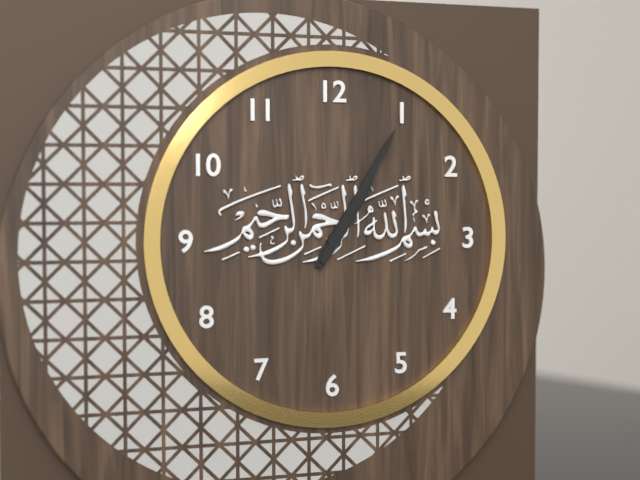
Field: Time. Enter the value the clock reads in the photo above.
1:05
